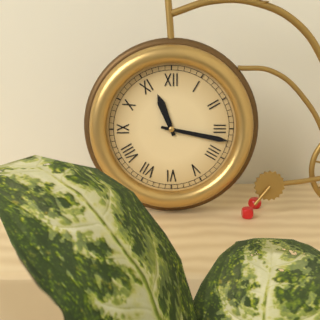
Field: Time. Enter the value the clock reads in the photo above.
11:17
